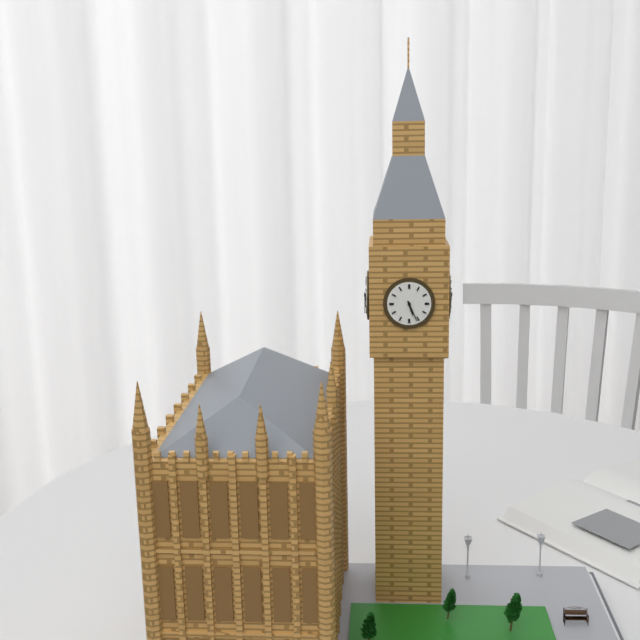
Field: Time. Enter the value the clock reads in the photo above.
5:26
